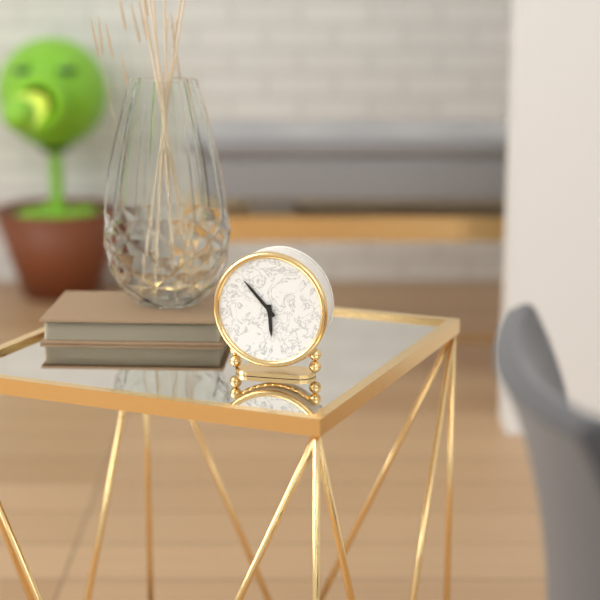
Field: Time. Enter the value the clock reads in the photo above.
5:53
